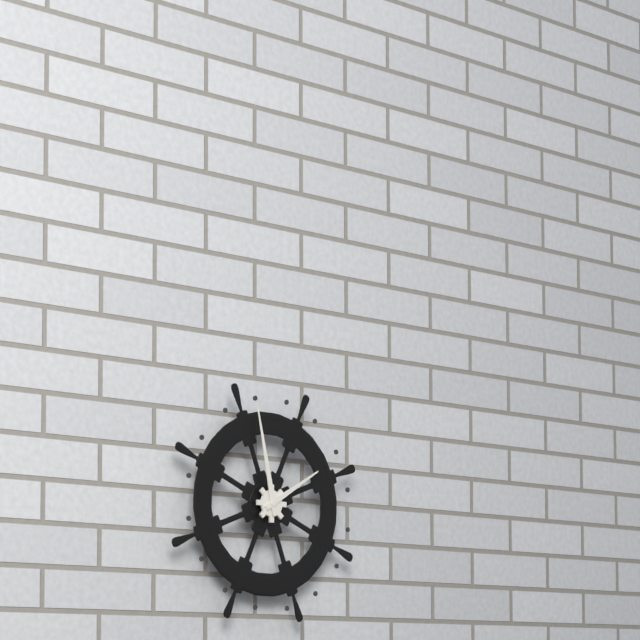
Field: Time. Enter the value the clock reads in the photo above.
1:58
